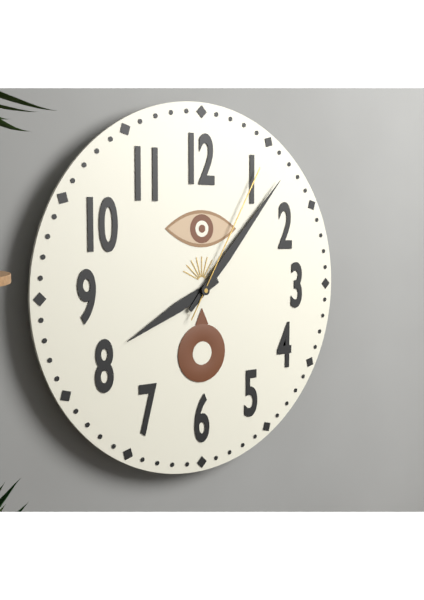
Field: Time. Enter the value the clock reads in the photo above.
8:07:05
